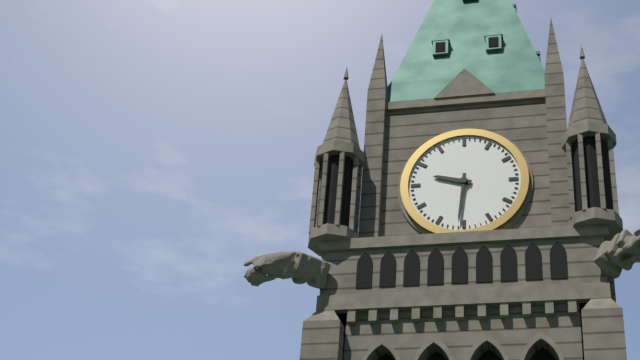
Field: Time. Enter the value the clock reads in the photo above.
9:31
